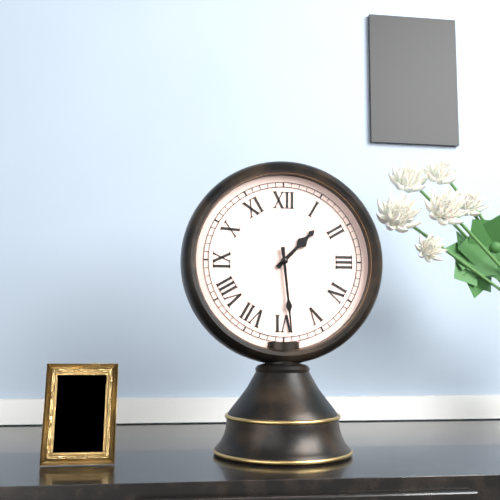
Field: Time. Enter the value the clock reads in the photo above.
1:29
